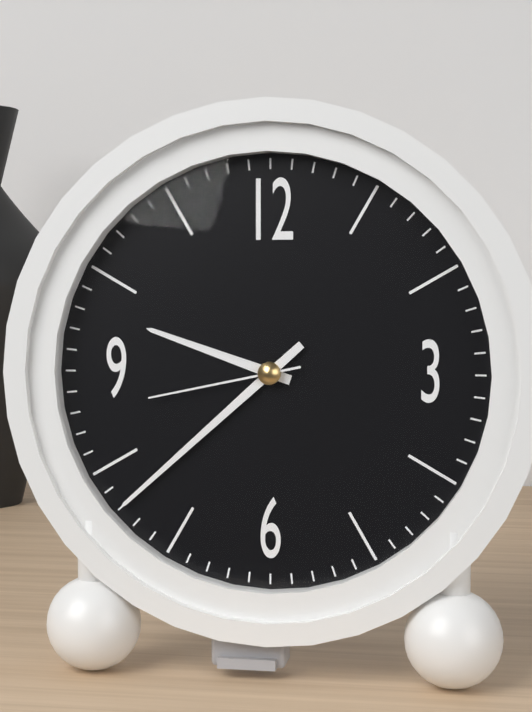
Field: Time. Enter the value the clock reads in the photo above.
9:38:43
